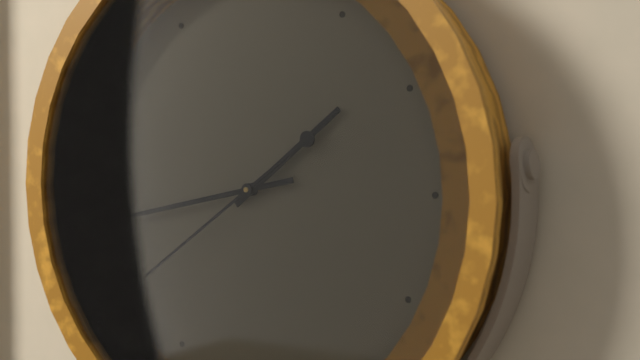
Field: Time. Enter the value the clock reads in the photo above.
1:43:39
